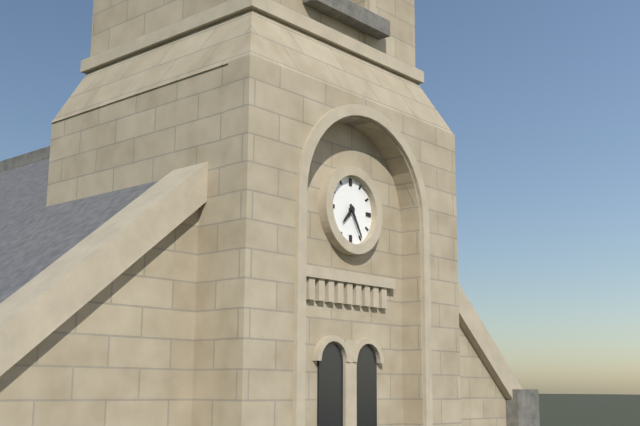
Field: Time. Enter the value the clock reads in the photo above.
7:25
